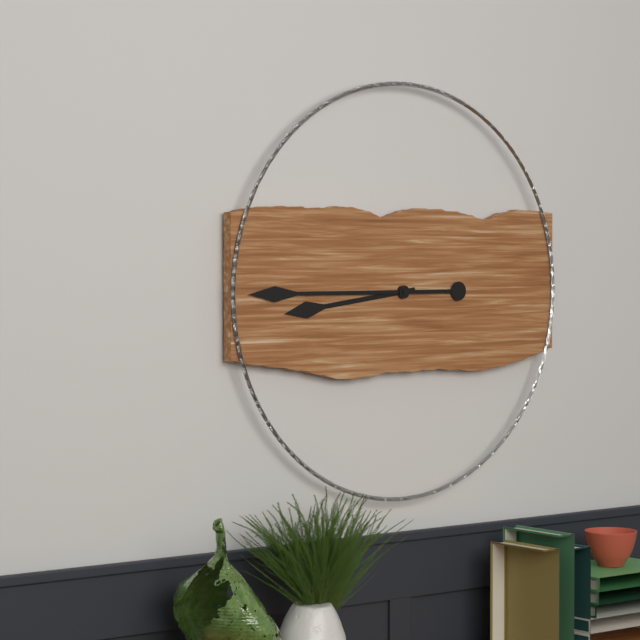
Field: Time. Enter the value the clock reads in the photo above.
8:45
